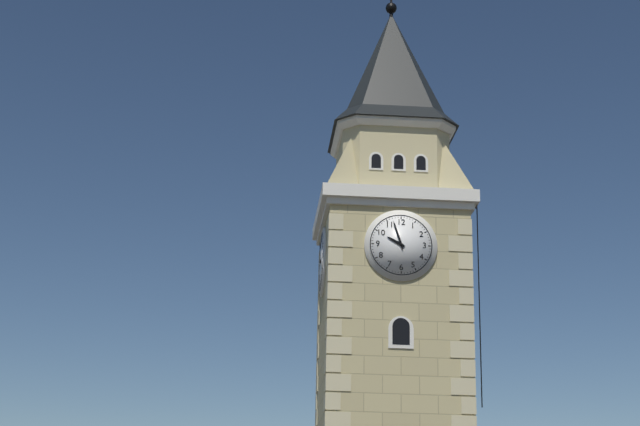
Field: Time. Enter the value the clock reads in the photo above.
9:57
